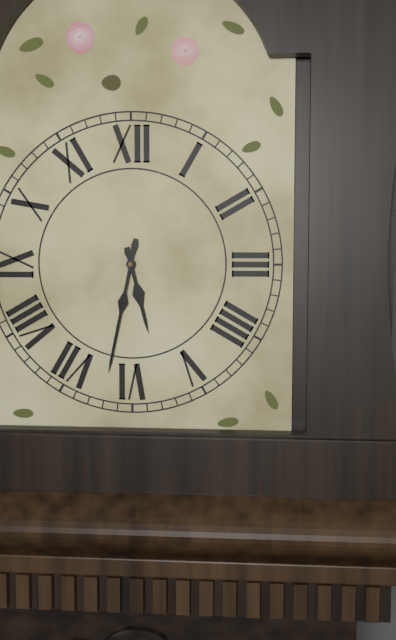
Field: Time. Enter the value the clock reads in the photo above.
5:32
